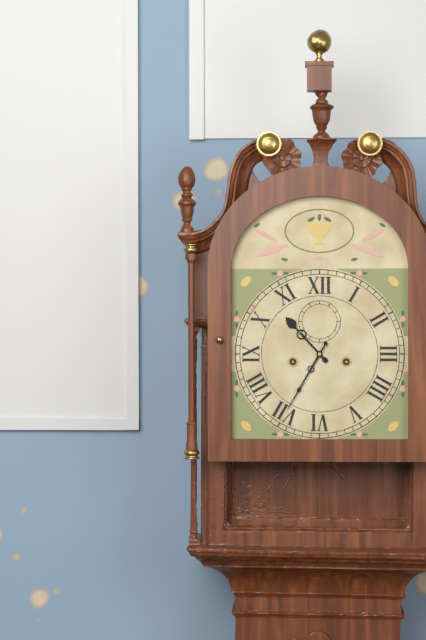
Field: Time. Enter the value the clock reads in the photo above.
10:35
